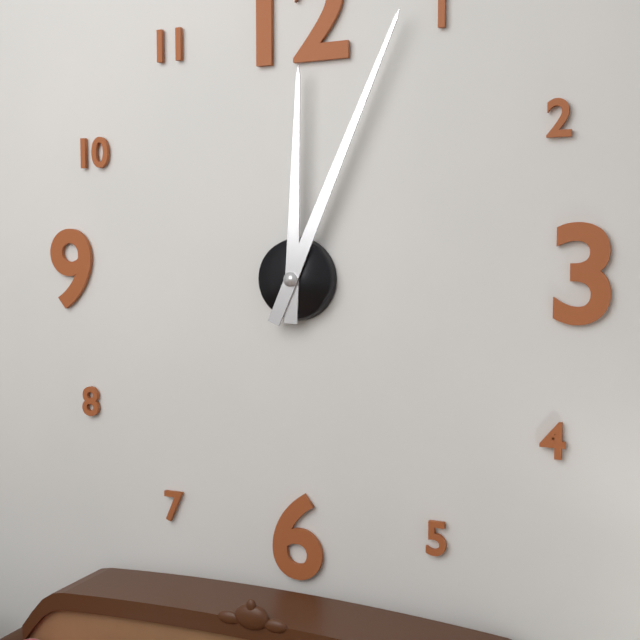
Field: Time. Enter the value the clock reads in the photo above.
12:04
